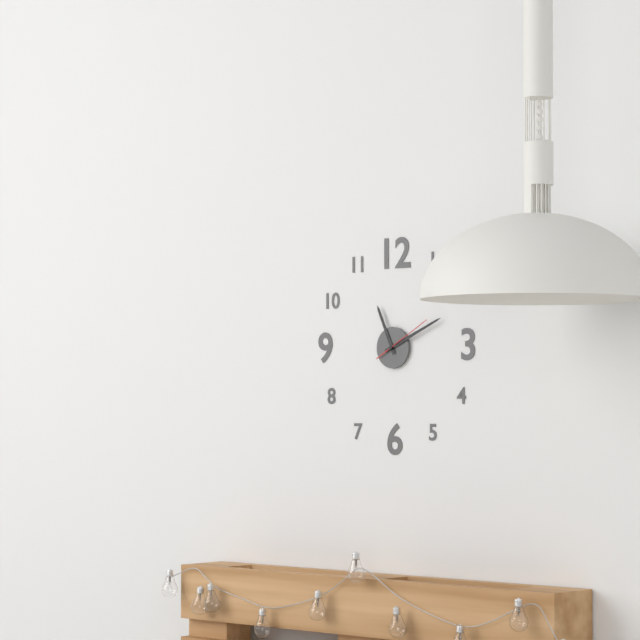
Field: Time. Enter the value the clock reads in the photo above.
11:11:10
